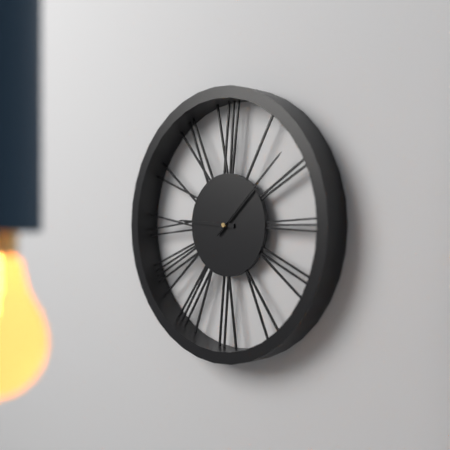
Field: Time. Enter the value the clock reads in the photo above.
9:08
